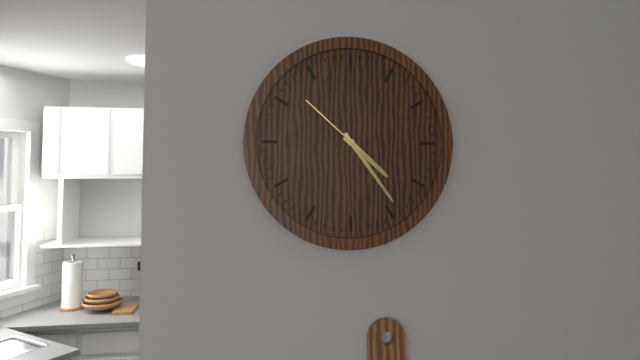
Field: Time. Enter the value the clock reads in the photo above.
4:24:52
